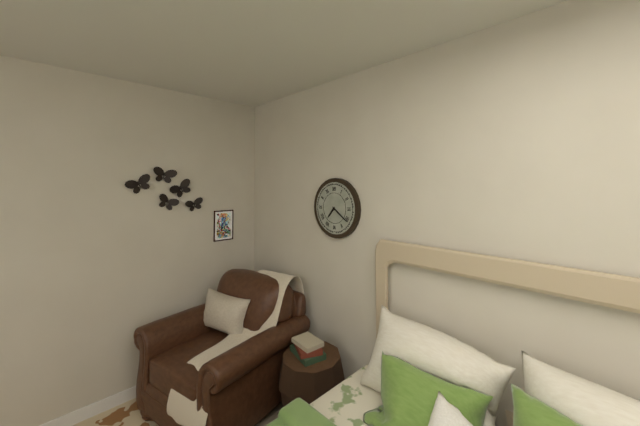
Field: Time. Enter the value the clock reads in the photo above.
7:21
